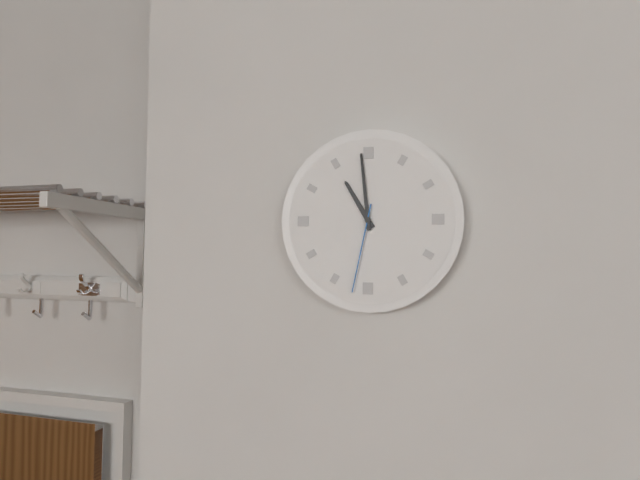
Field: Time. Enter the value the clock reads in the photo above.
10:59:32
